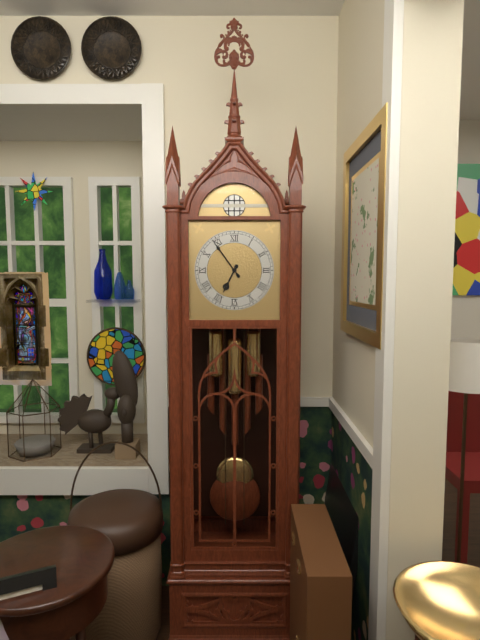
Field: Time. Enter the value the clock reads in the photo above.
6:54
